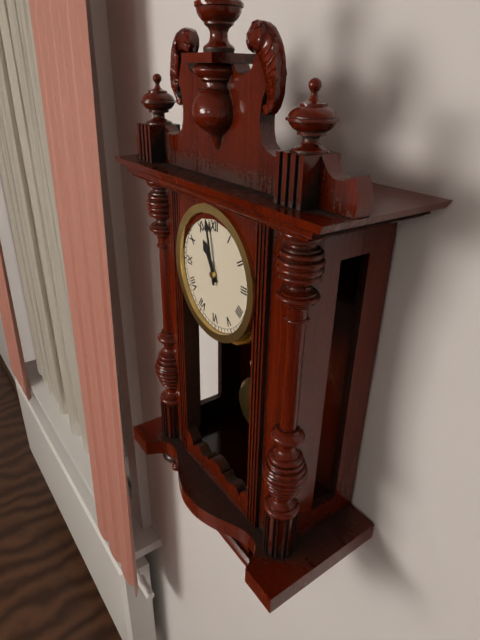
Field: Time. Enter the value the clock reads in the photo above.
10:58
